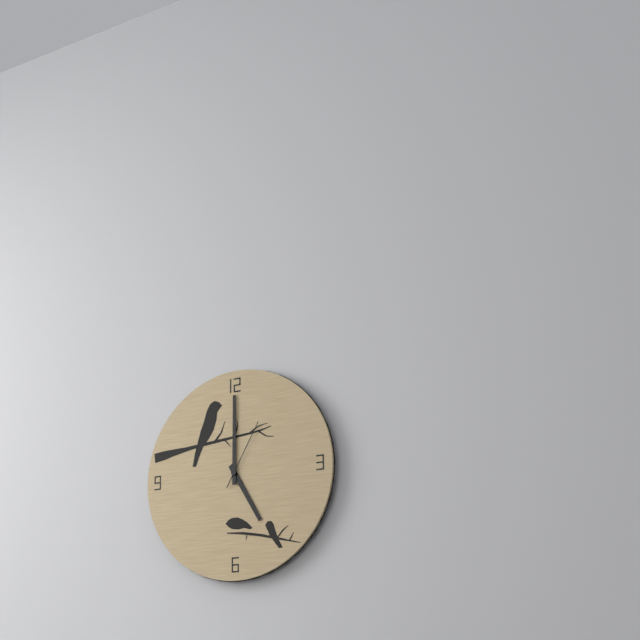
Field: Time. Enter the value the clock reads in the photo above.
5:00:05
